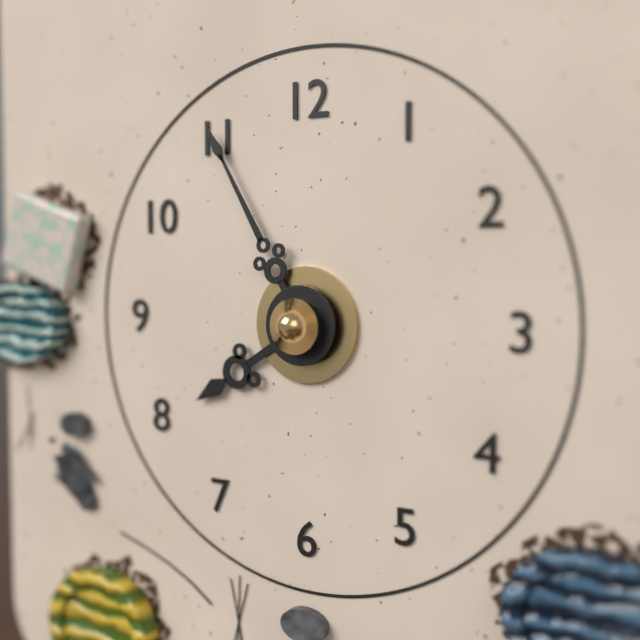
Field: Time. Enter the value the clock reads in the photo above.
7:55
